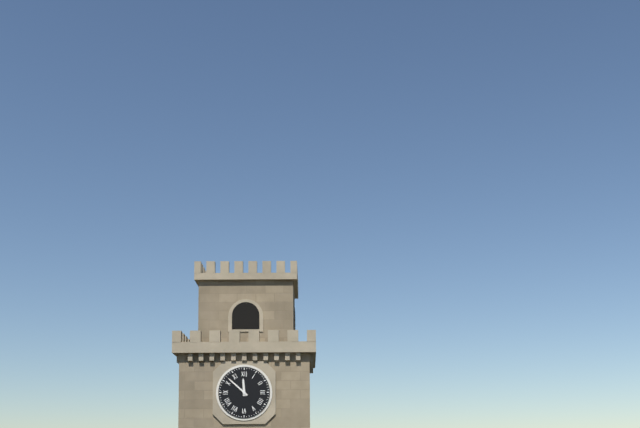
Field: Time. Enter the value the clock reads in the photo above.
11:52
